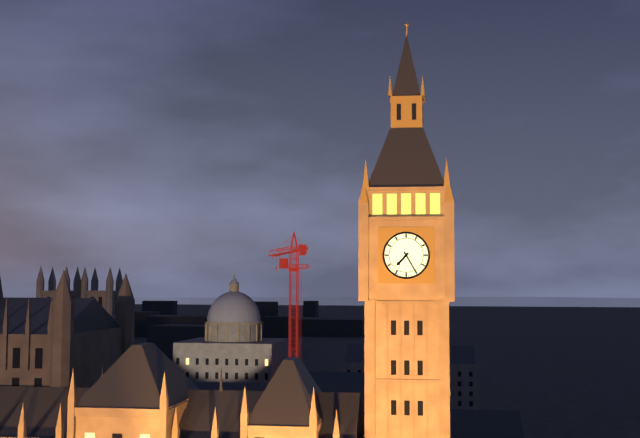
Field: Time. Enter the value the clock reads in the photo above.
7:25
